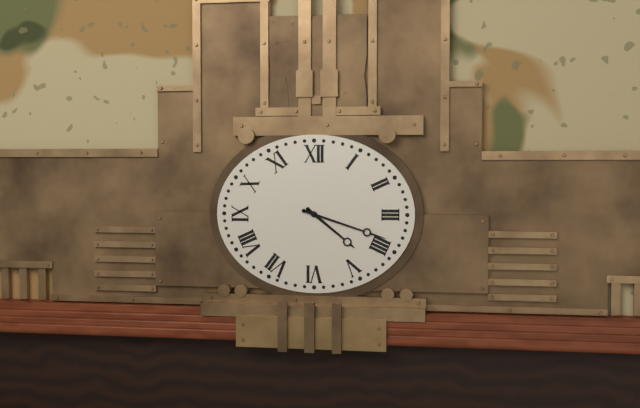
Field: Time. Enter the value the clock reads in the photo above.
4:18
